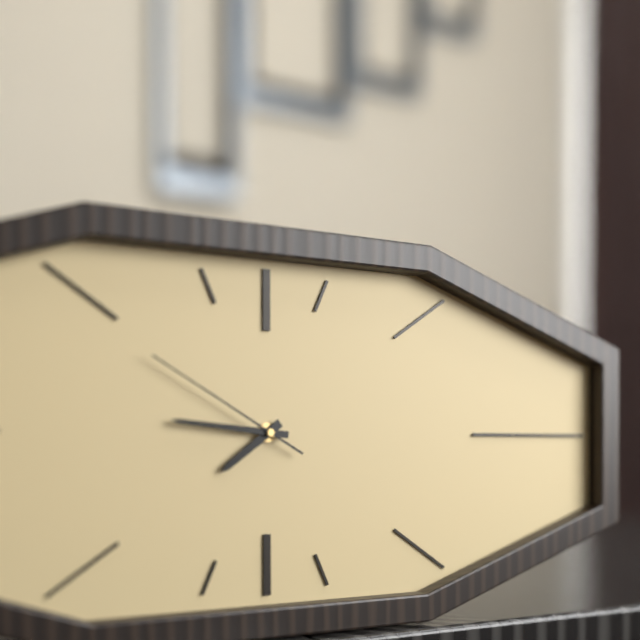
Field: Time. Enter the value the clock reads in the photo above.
7:46:50
